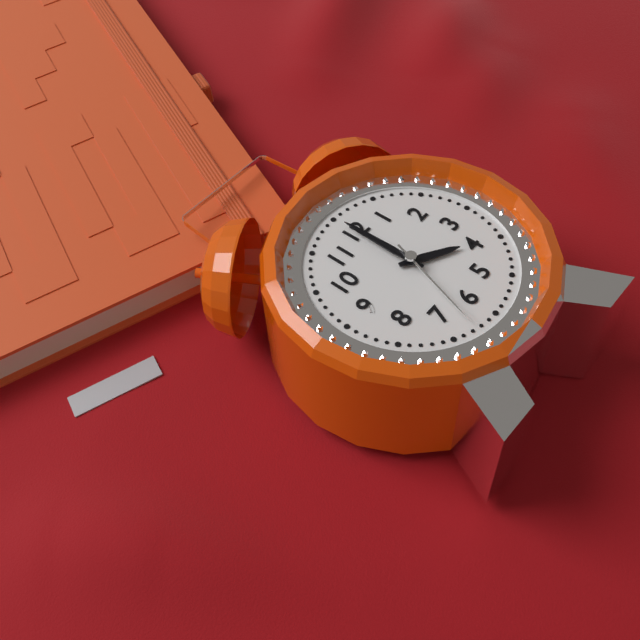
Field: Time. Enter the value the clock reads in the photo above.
4:00:33
